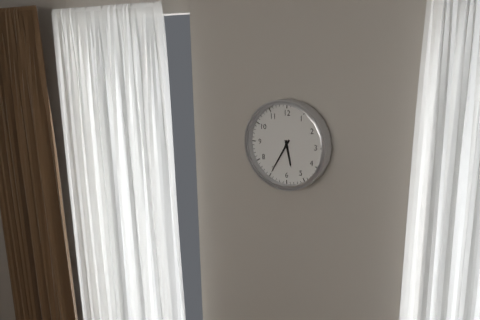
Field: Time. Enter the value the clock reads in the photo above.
5:35
